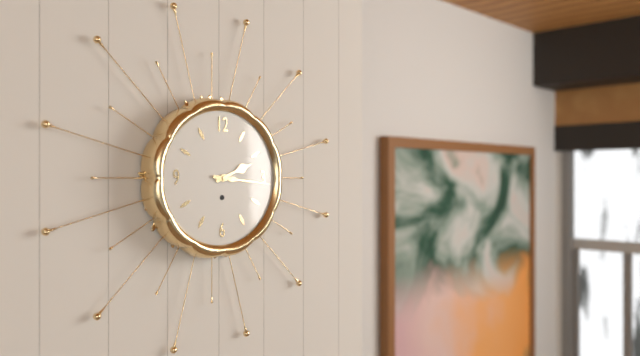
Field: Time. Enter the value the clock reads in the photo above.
2:16
